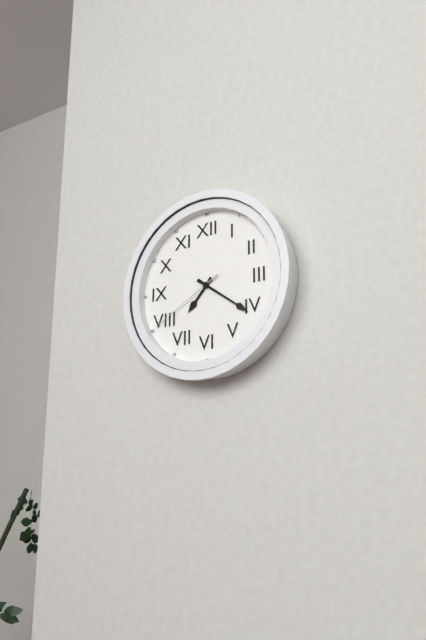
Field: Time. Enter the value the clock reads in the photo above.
7:21:40
